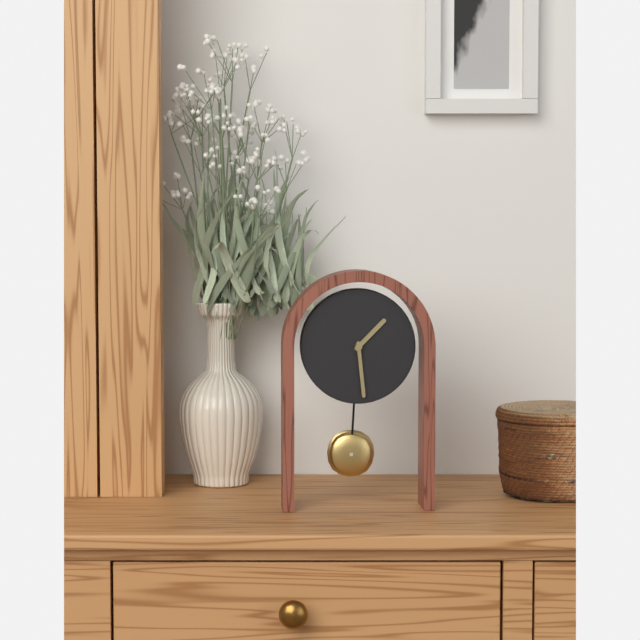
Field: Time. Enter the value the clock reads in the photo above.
1:29
